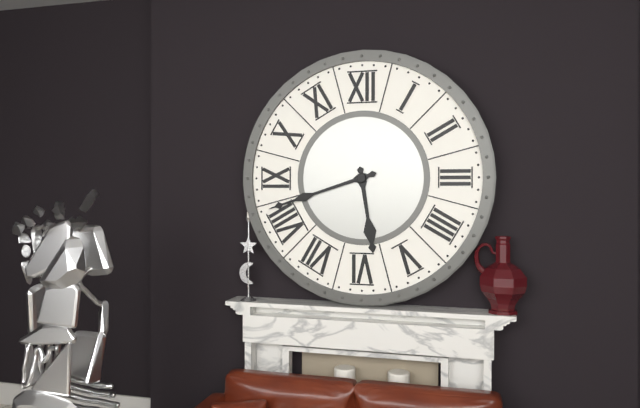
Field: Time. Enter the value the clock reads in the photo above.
5:42
